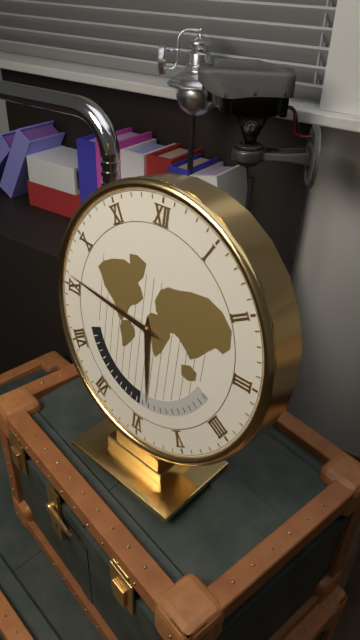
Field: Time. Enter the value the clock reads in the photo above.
5:46
